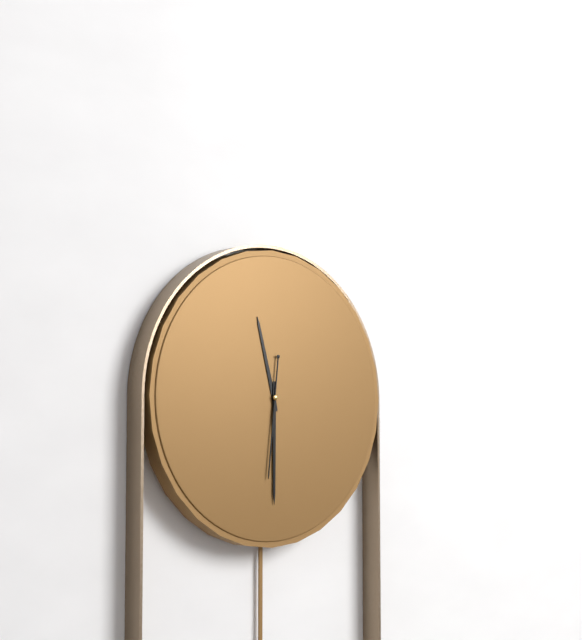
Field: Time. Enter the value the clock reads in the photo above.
11:30:31
